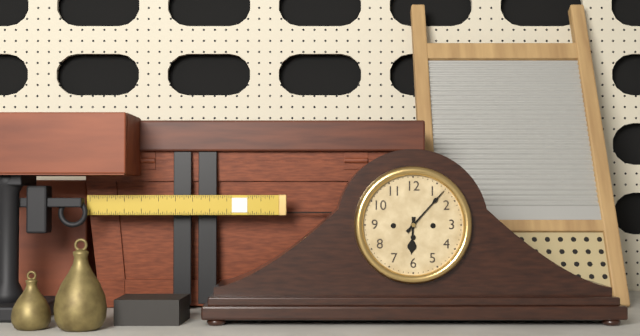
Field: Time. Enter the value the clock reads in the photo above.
6:07
